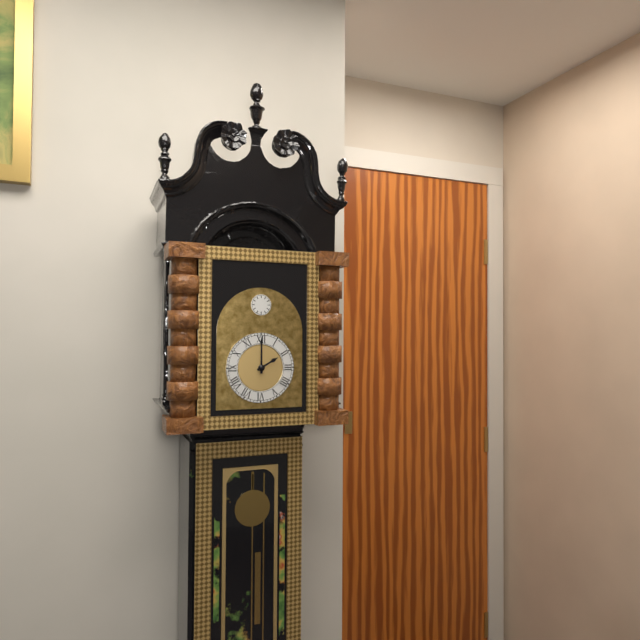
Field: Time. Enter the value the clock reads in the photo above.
2:00
